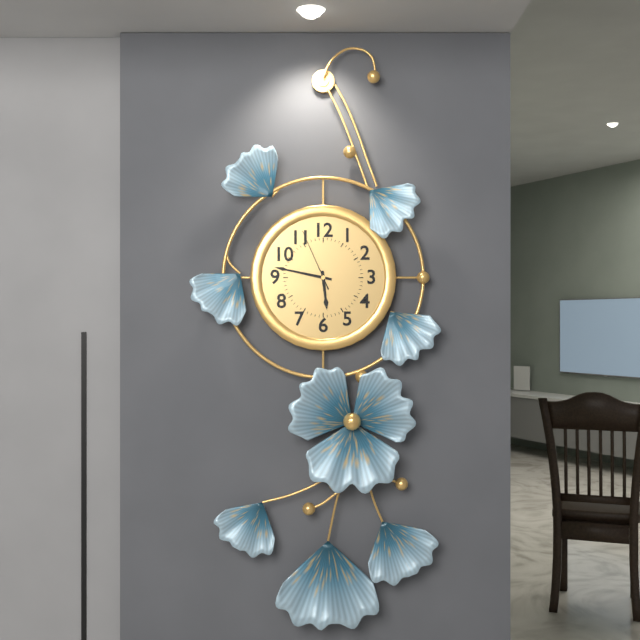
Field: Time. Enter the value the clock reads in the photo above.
5:47:56
